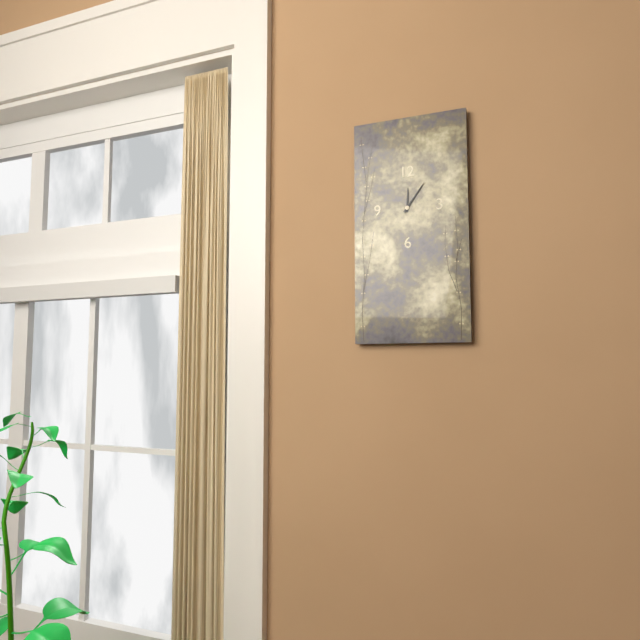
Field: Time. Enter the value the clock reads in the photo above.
12:06
